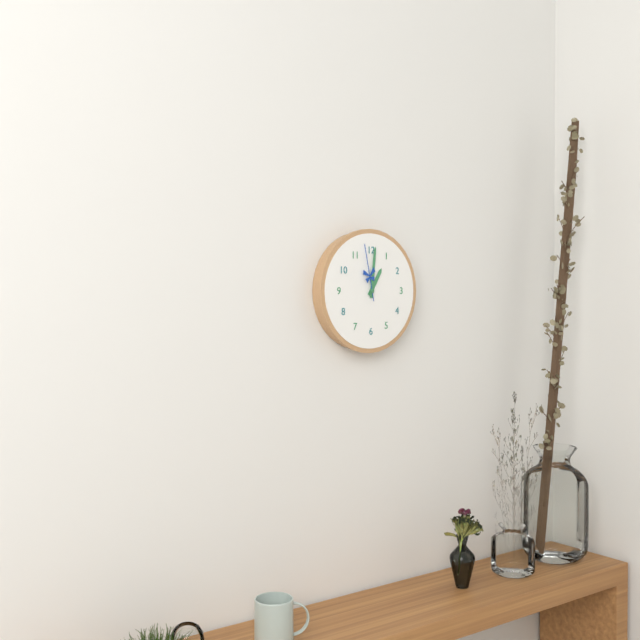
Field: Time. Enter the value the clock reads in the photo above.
1:01:58
